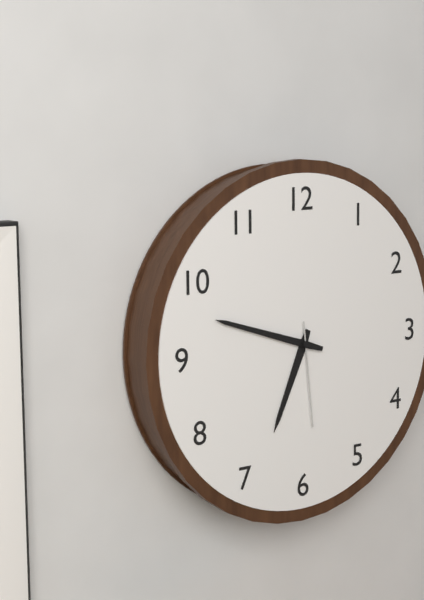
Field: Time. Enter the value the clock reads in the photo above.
6:48:29
